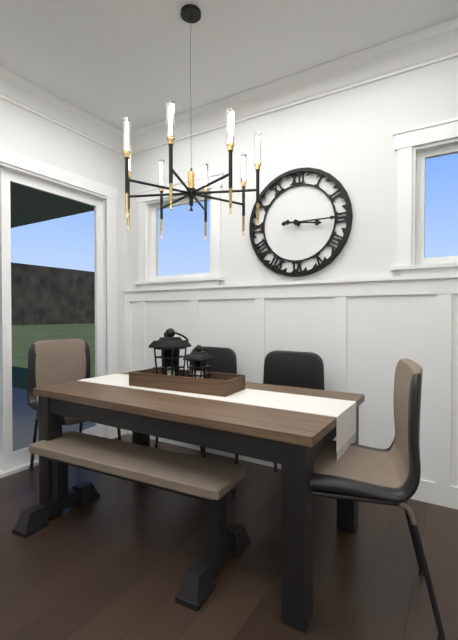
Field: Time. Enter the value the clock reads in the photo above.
3:15
